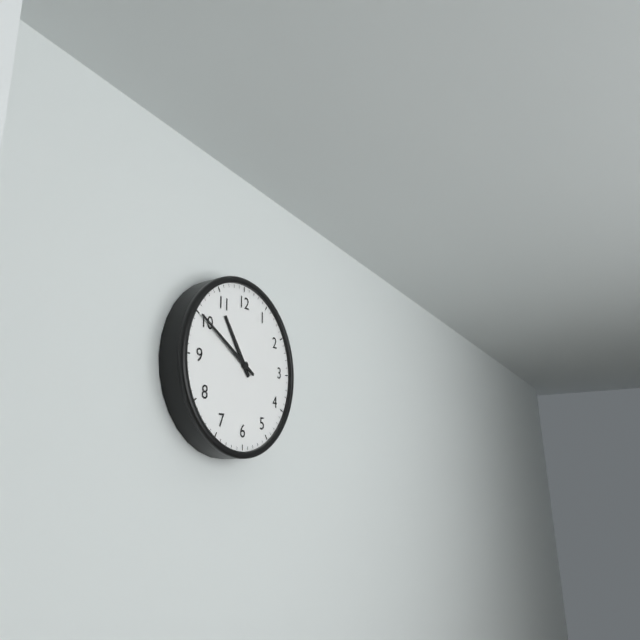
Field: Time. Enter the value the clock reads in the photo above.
10:50
